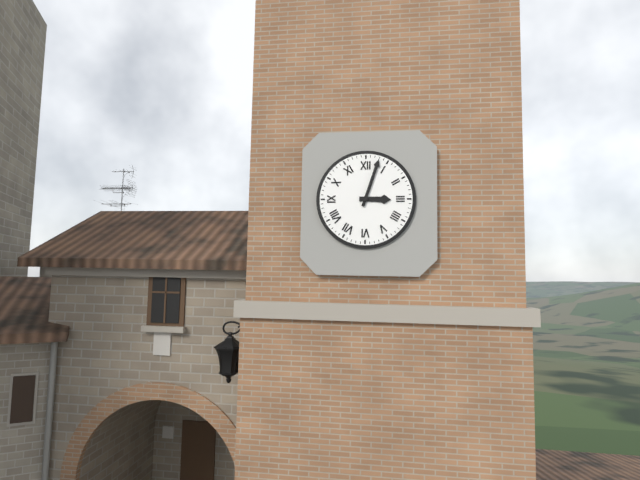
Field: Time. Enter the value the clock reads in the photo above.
3:03
